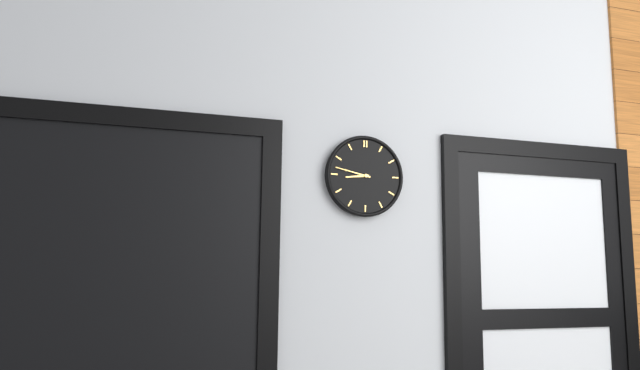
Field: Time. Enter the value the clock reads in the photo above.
8:47
